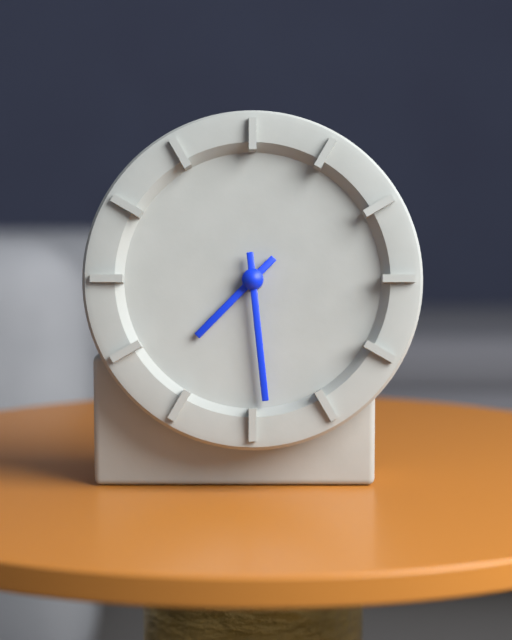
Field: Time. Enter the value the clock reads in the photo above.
7:29
